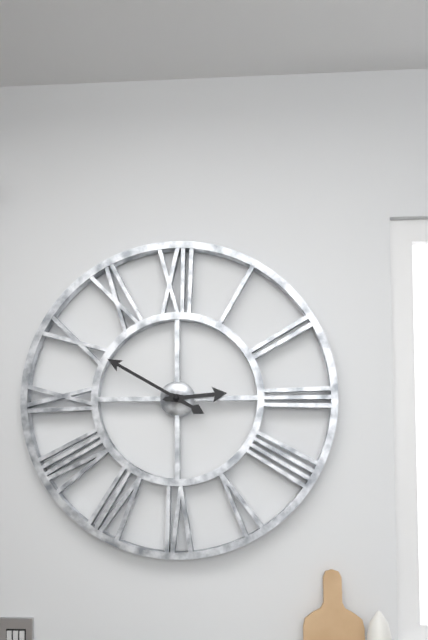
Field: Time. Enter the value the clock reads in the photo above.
2:50
